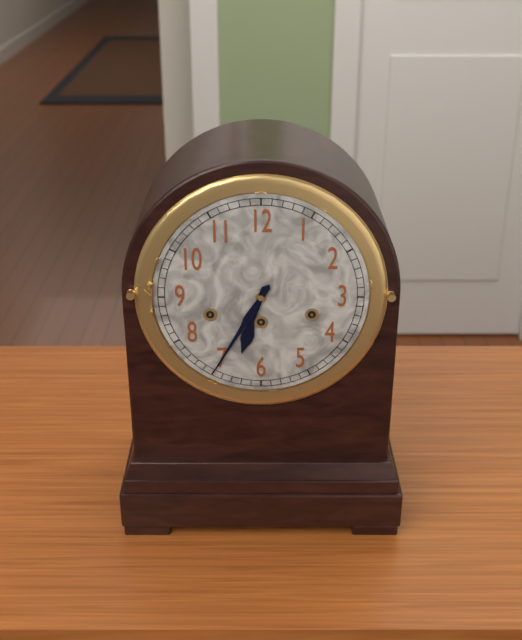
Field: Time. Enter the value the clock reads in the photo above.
6:35
